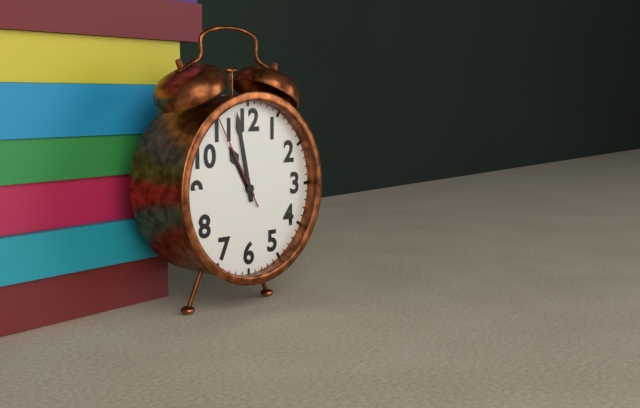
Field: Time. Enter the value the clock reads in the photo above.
10:58:55
